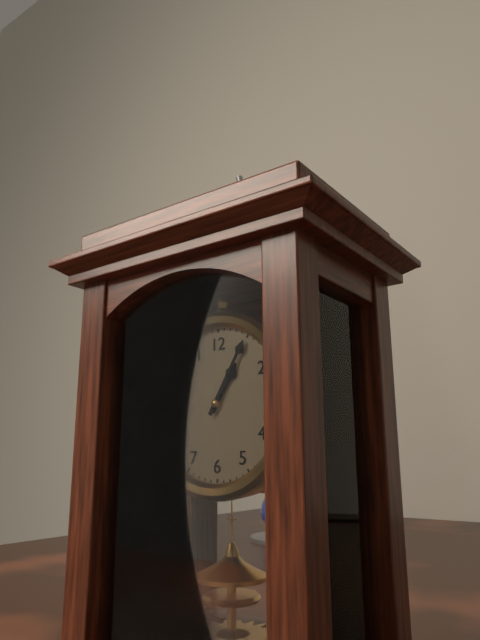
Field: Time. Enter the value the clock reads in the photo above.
1:05
